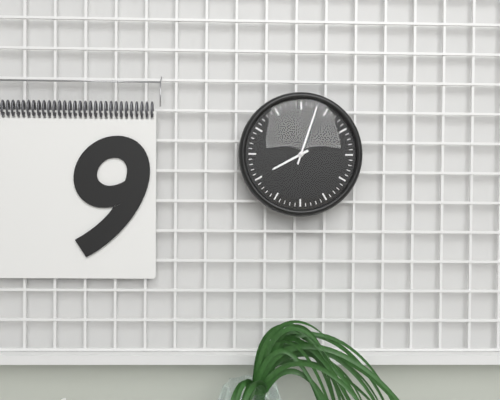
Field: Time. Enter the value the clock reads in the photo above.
8:03
